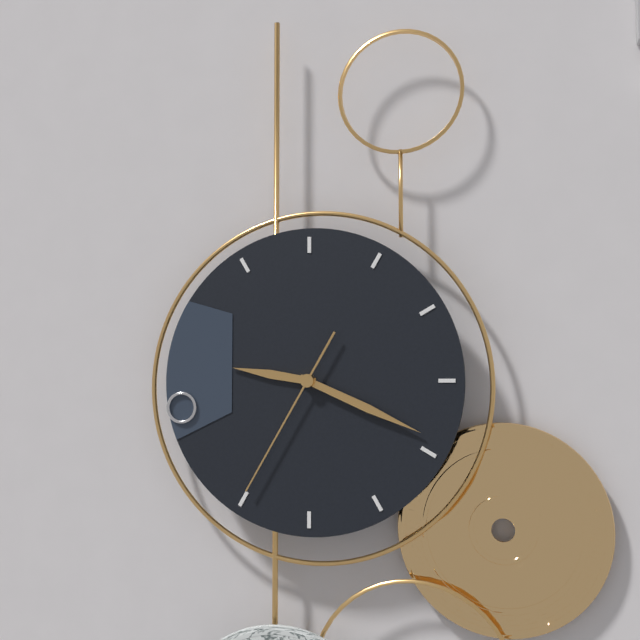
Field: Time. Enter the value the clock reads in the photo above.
9:19:35
